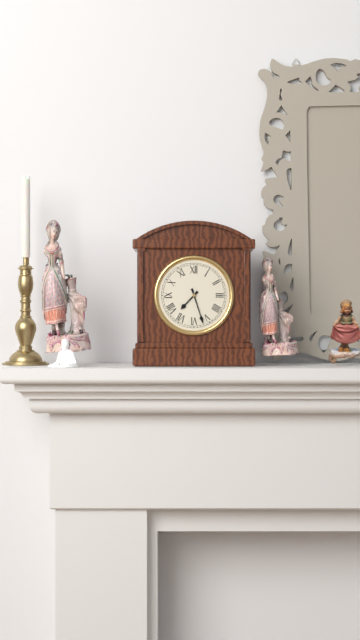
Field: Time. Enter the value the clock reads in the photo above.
7:27
